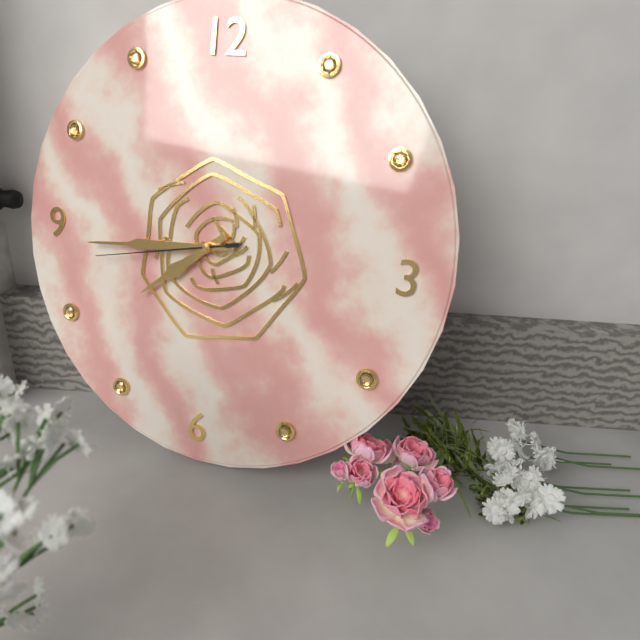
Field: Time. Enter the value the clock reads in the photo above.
7:44:43
